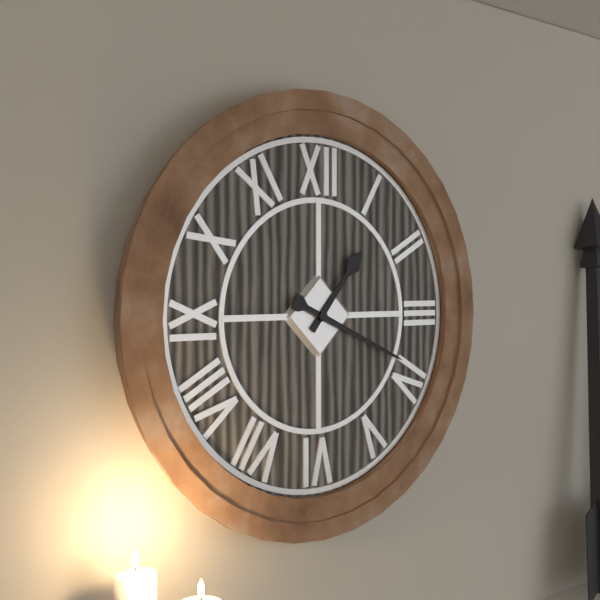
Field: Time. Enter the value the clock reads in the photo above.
1:19
